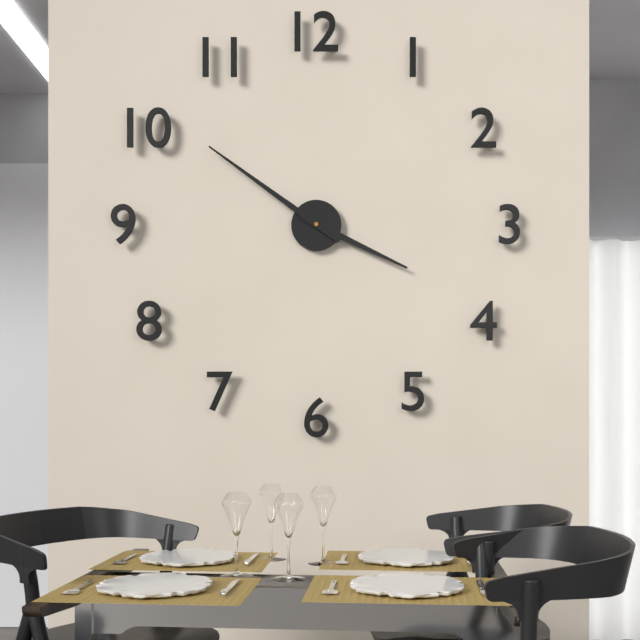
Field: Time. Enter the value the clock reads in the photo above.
3:51
